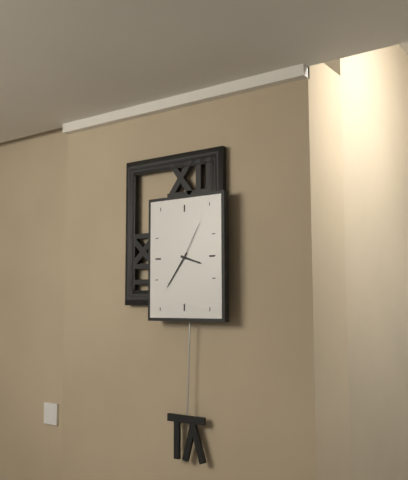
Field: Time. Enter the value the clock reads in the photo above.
3:36
